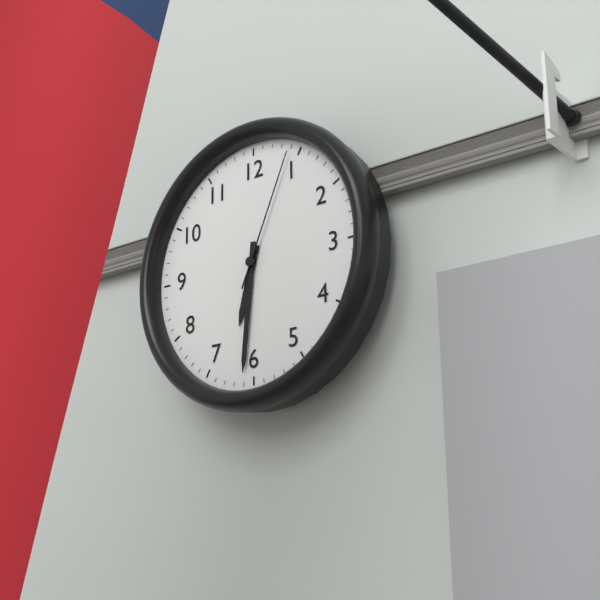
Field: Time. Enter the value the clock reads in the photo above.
6:31:04
